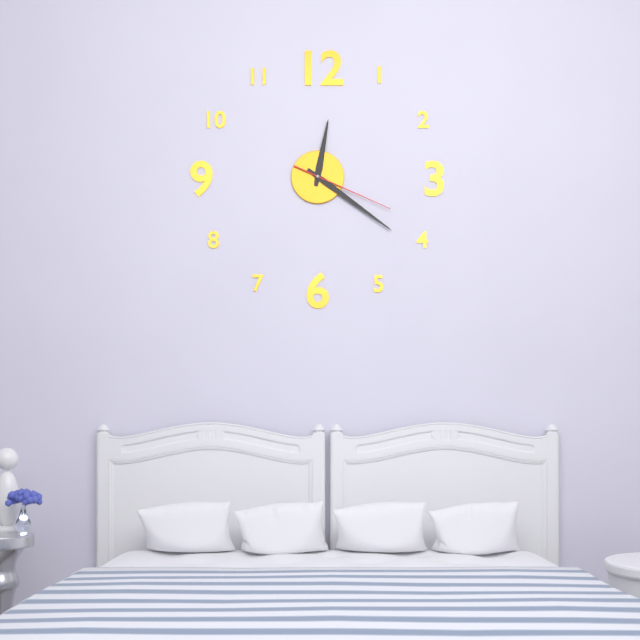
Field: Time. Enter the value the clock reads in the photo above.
12:21:19
